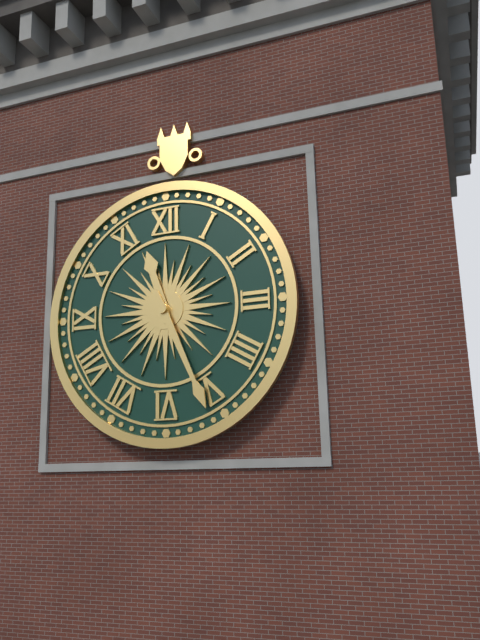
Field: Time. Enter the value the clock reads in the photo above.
11:26
